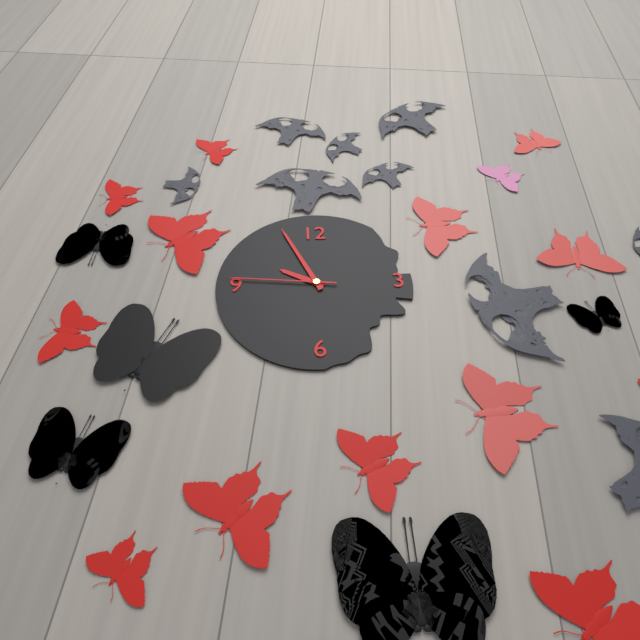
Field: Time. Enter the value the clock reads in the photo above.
9:56:46
